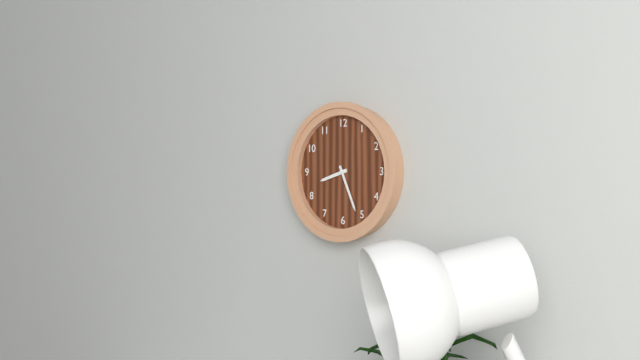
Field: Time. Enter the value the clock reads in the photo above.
8:26
